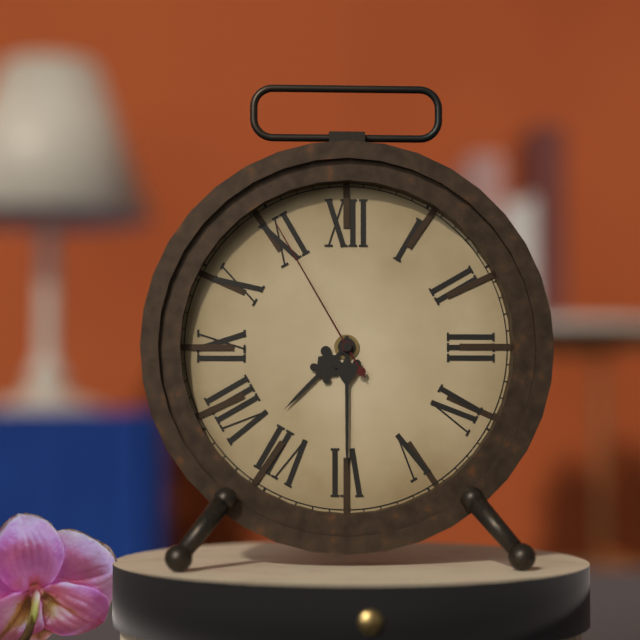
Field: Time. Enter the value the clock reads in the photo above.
7:30:55
